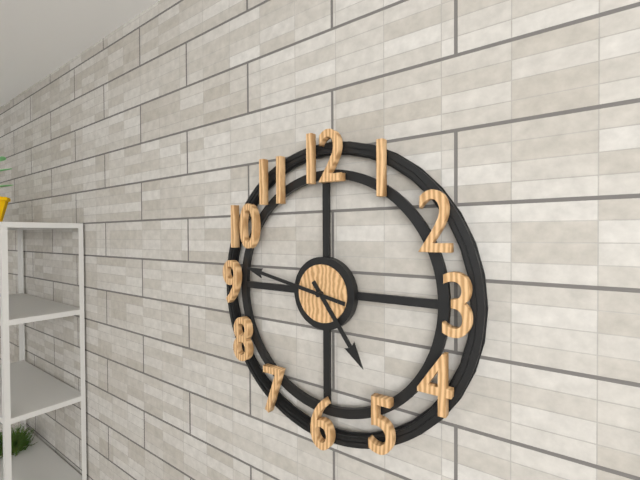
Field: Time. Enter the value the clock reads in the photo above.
4:47
